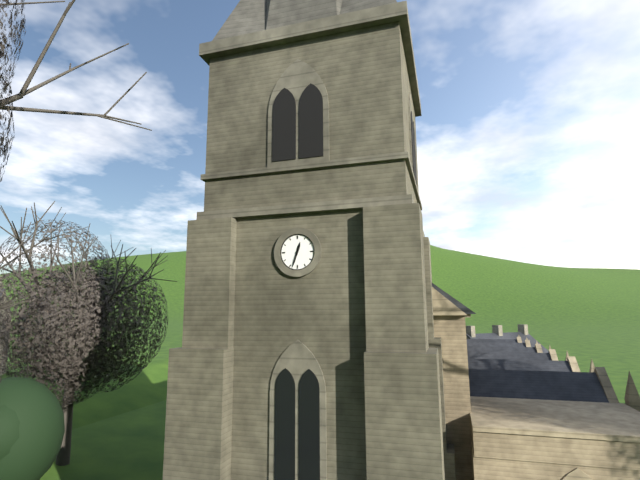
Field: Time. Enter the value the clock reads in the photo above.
12:33
